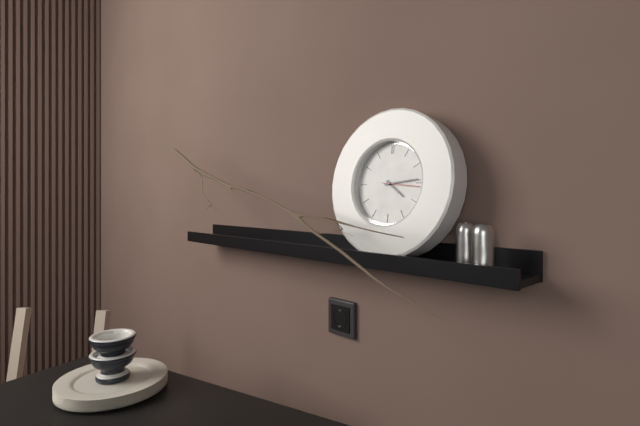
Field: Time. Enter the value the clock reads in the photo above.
4:14
